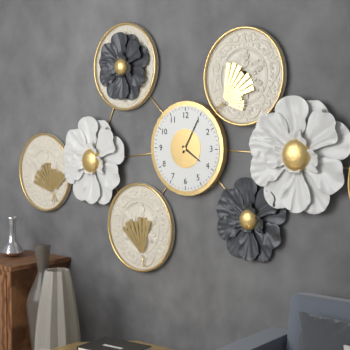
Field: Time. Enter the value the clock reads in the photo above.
4:05
